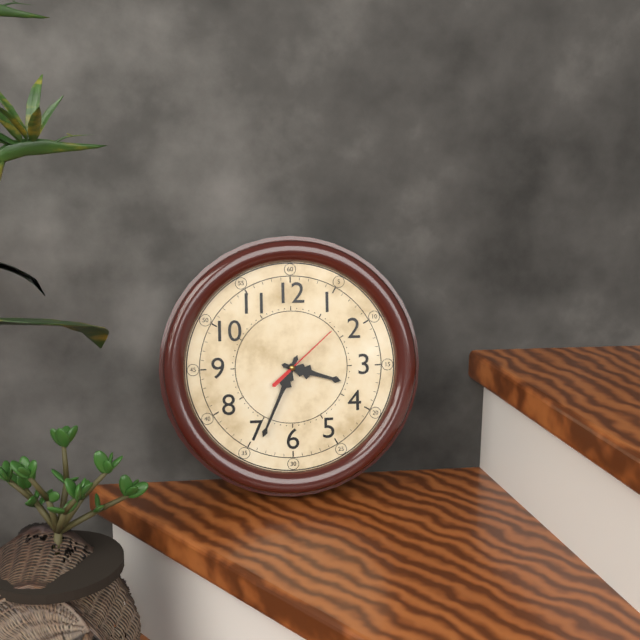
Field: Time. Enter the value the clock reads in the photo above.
3:34:08
